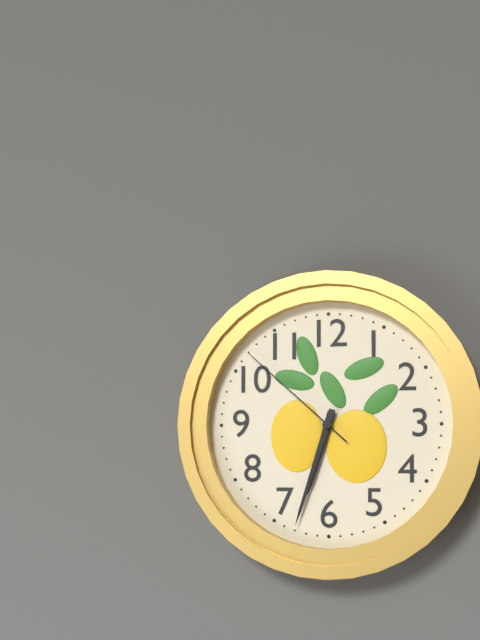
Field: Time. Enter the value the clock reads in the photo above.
6:33:52
